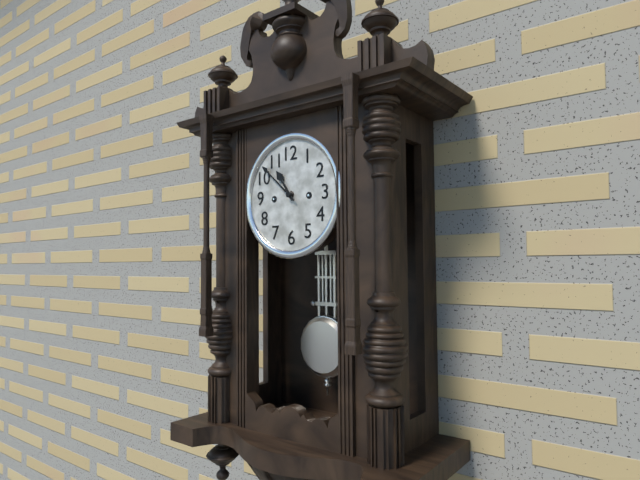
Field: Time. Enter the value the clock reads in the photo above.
10:52
